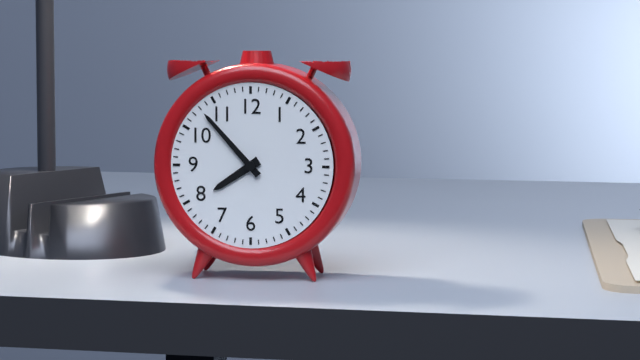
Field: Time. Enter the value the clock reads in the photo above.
7:53
